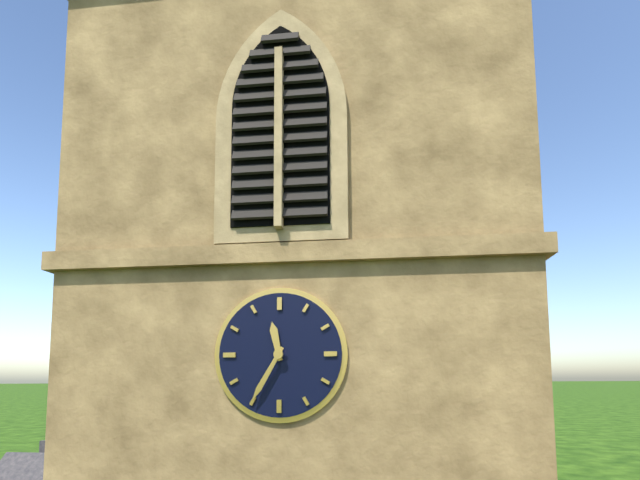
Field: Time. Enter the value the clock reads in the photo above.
11:35
